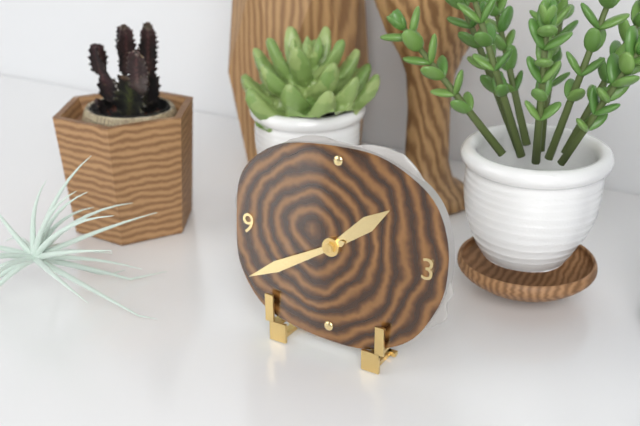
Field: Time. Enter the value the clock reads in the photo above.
1:40
